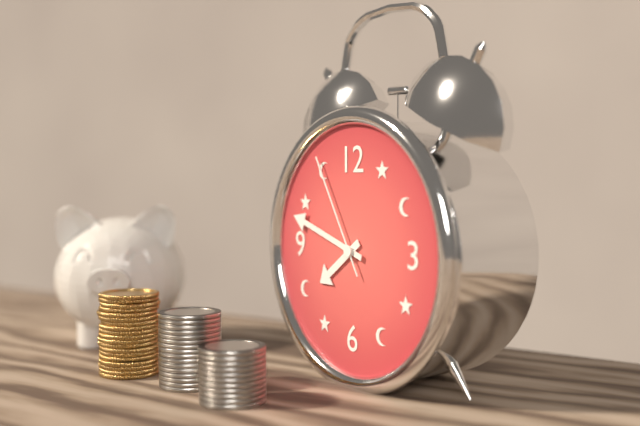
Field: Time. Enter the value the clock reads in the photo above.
7:48:55
